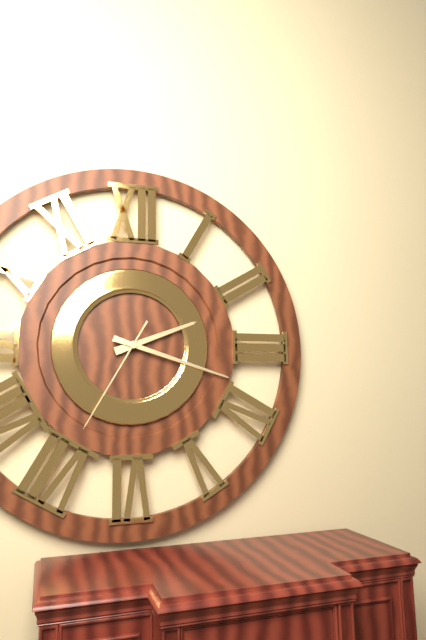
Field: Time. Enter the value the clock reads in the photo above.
2:18:35
